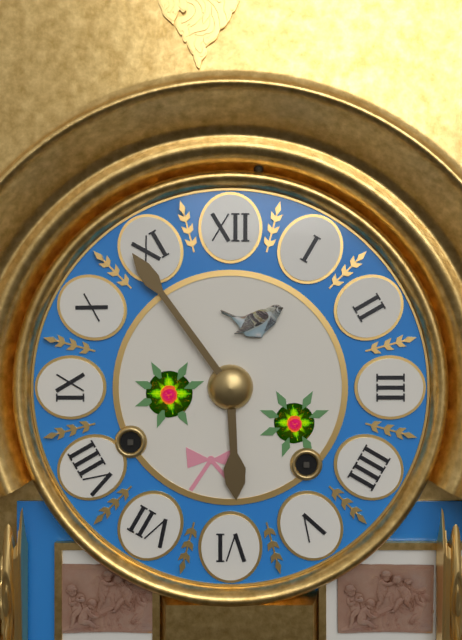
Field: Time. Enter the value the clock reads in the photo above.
5:54
